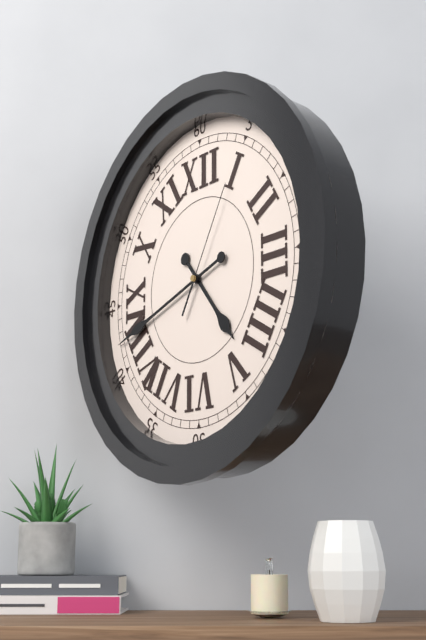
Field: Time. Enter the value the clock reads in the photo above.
4:42:05
